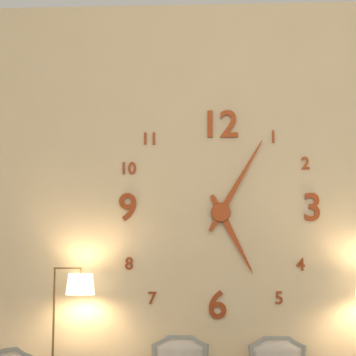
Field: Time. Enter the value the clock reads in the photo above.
5:05
